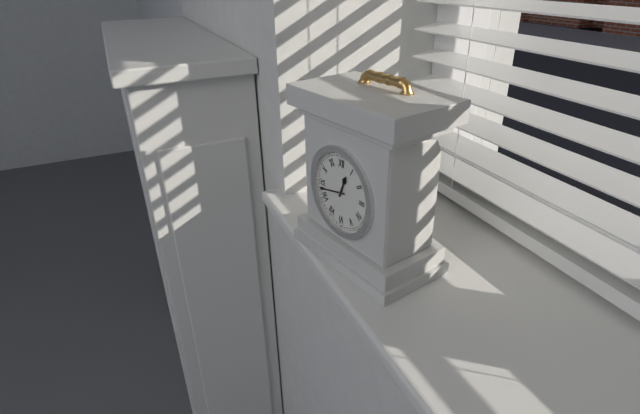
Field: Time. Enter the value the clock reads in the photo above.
12:43
